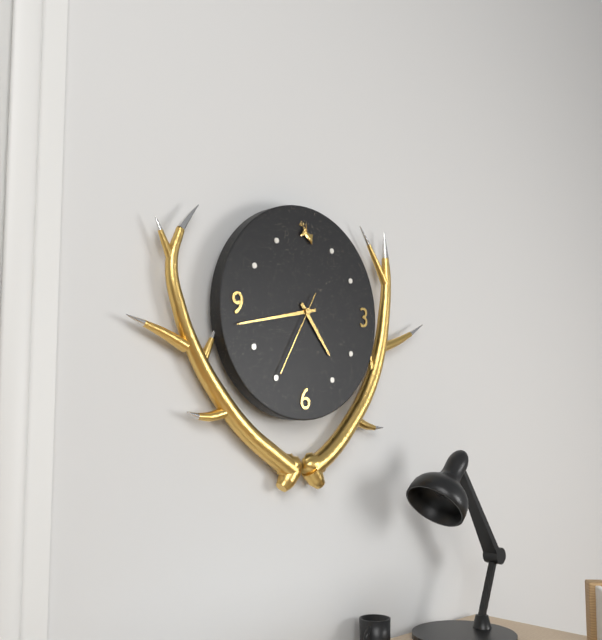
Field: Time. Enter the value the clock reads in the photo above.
4:43:35
